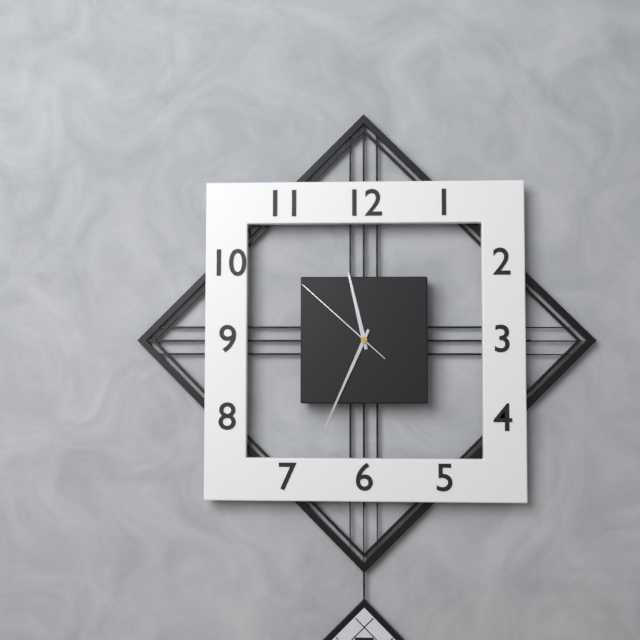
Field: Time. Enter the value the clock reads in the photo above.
11:34:52
